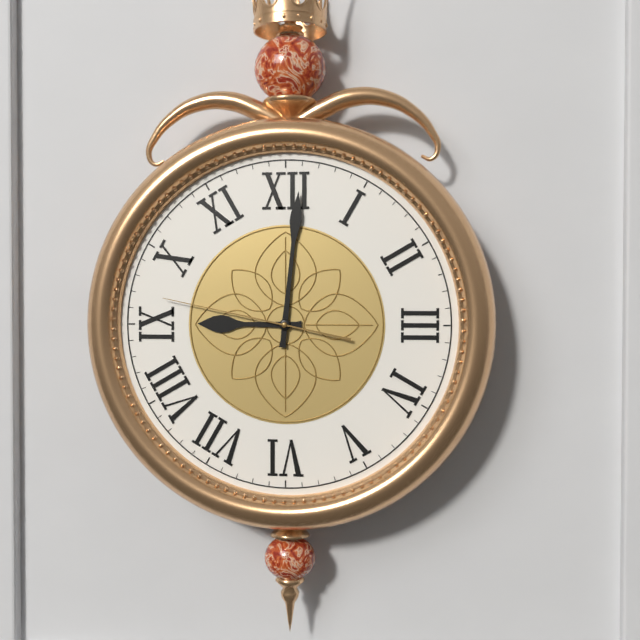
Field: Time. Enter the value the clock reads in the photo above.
9:01:47
